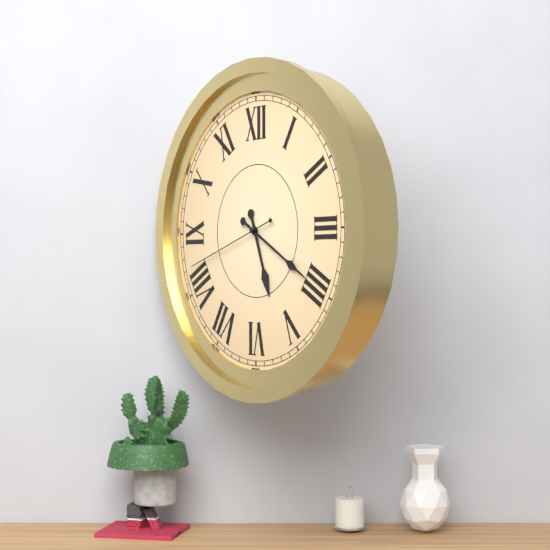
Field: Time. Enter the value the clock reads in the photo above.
5:20:42
